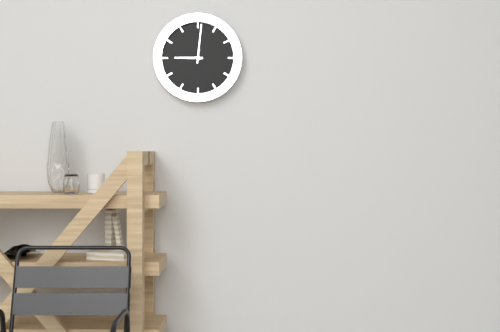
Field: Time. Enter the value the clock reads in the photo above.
9:01
